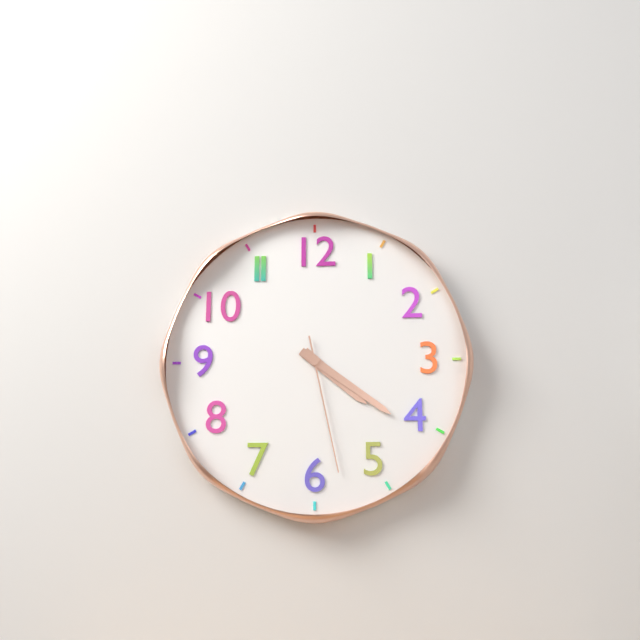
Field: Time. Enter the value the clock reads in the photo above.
4:21:28
